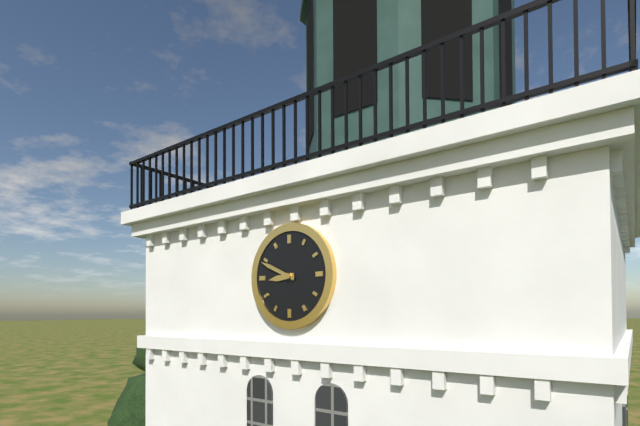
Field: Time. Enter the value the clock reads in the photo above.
8:49
